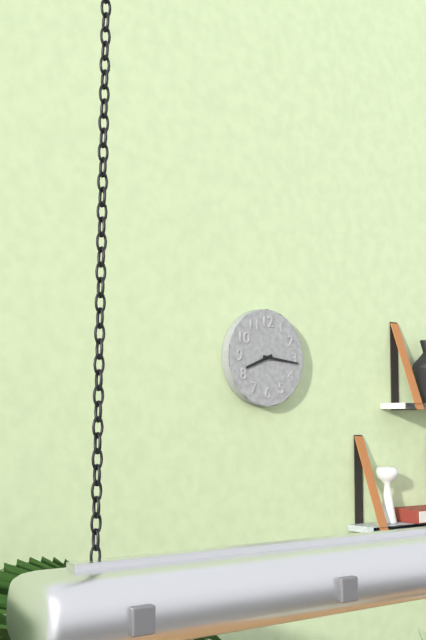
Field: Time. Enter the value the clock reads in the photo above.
8:16
